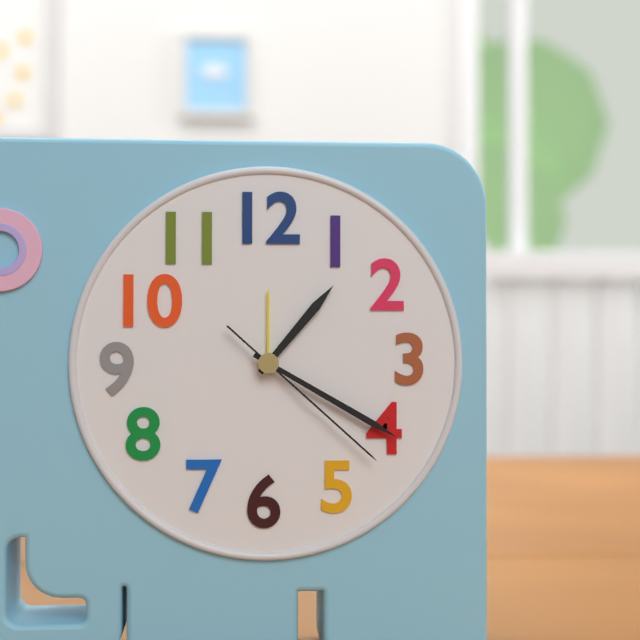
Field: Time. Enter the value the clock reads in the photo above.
1:20:22
